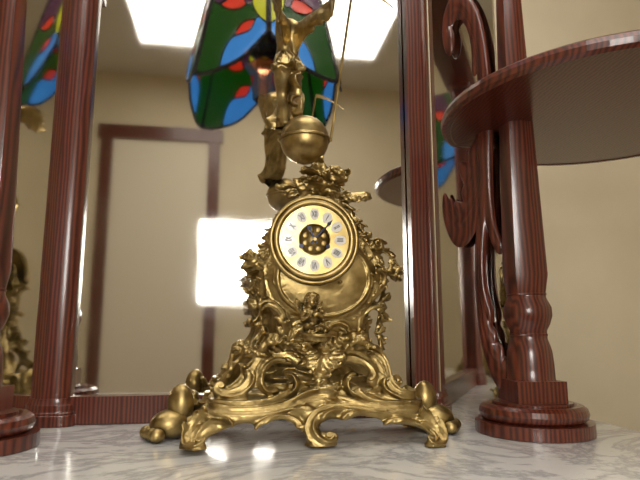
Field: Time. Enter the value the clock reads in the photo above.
11:07
